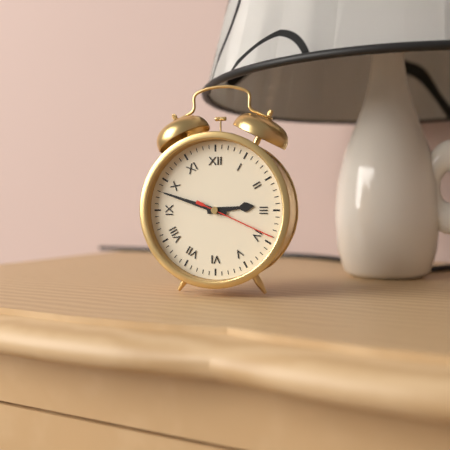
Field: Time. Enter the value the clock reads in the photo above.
2:48:19
